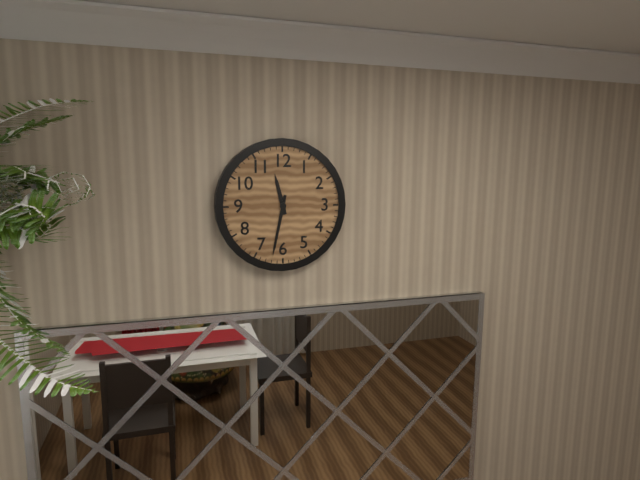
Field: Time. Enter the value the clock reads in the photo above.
11:32
